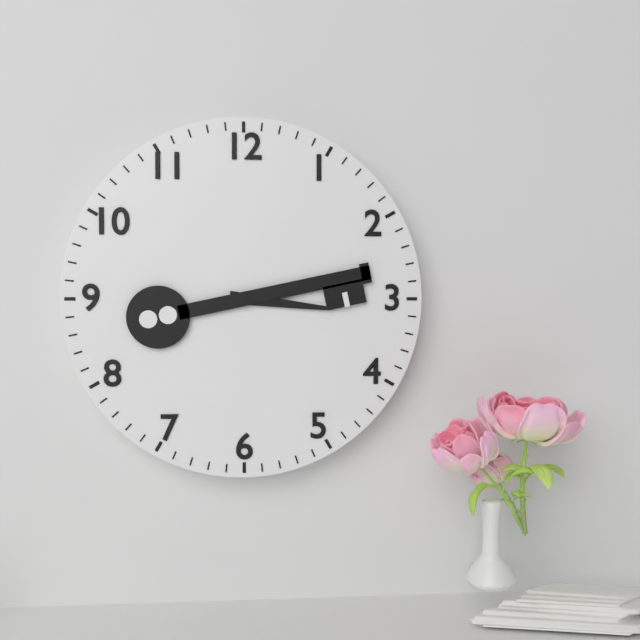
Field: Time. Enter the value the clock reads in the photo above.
3:13
